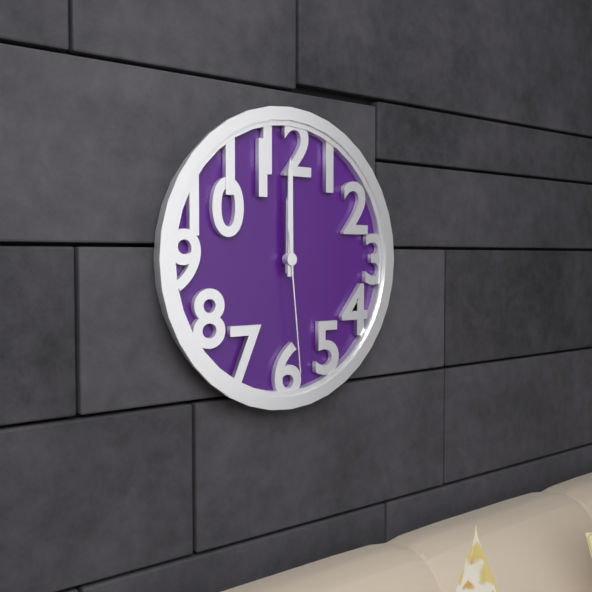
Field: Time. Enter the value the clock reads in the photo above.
12:00:29
